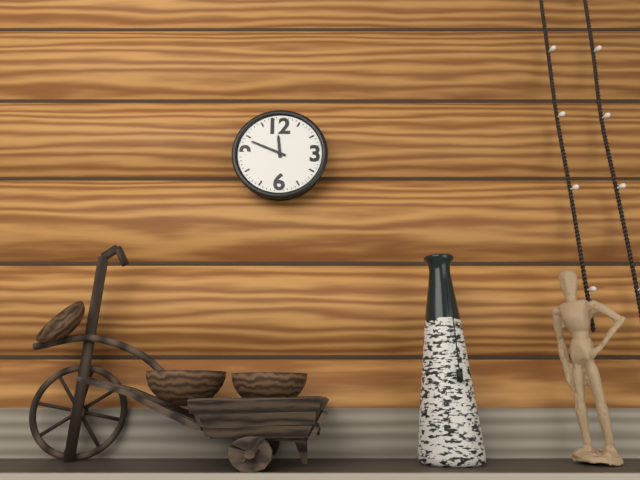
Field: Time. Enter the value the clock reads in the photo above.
11:49
